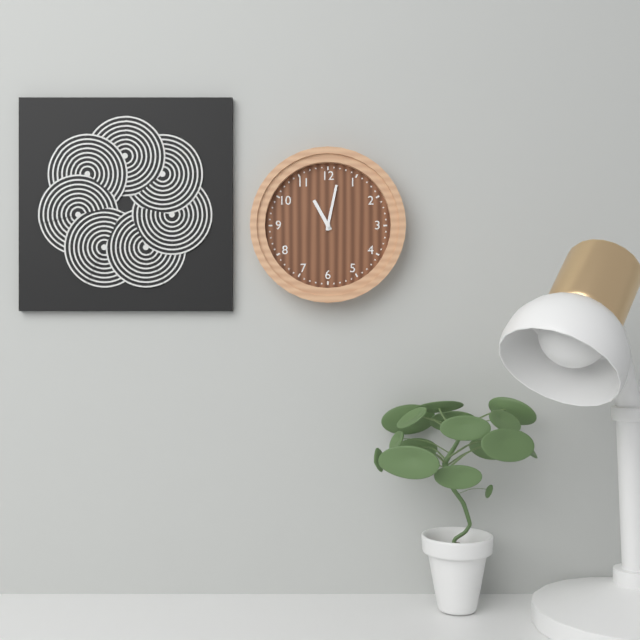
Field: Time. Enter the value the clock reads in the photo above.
11:02
